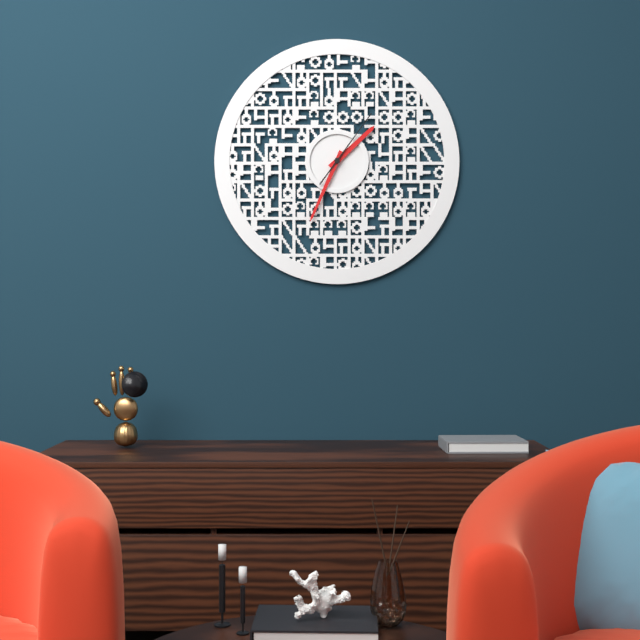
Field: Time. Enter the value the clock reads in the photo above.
1:34:06
